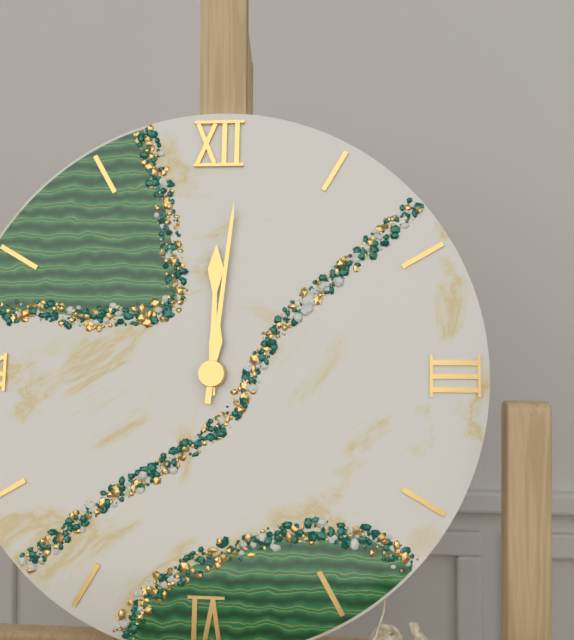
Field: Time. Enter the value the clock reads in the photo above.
12:01
